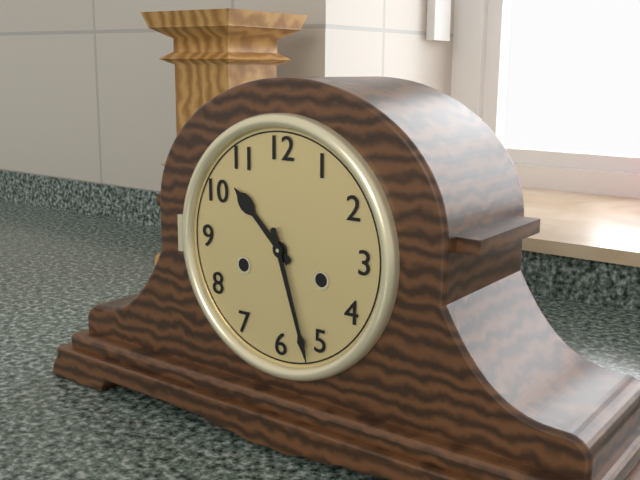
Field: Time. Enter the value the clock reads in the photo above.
10:27
